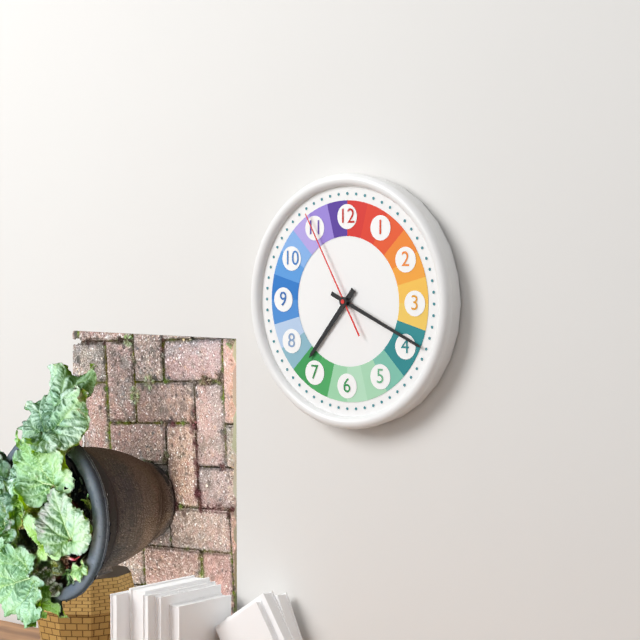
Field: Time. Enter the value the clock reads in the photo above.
7:19:55
